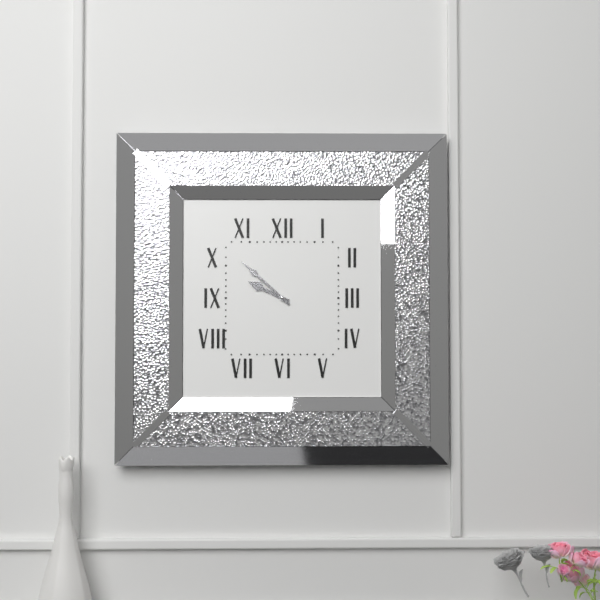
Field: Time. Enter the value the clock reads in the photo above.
9:52
